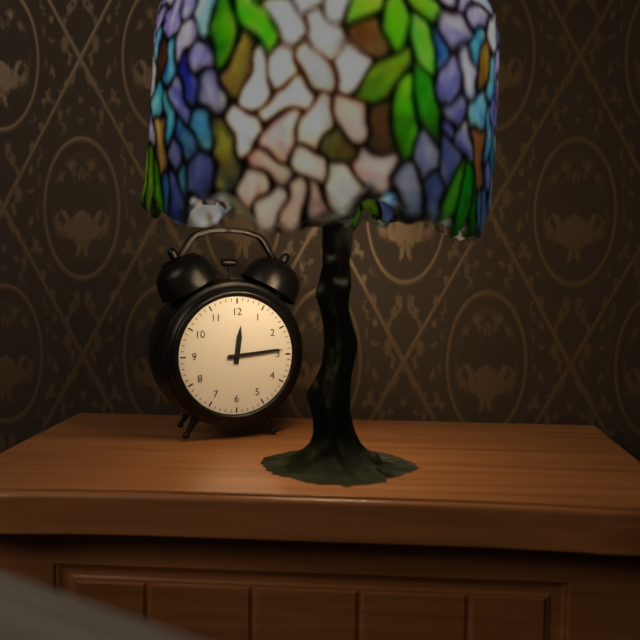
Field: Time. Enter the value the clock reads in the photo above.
12:14
